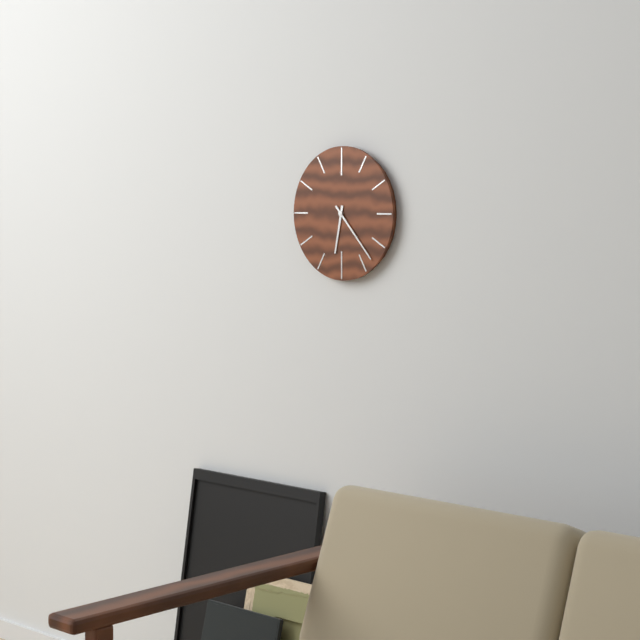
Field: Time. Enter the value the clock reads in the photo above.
6:23
